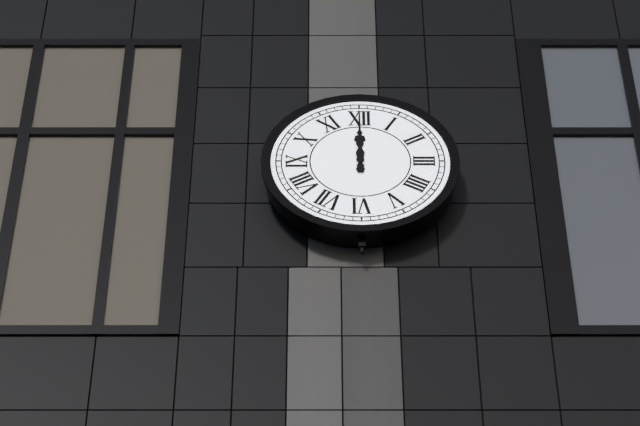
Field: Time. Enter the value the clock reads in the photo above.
12:00
